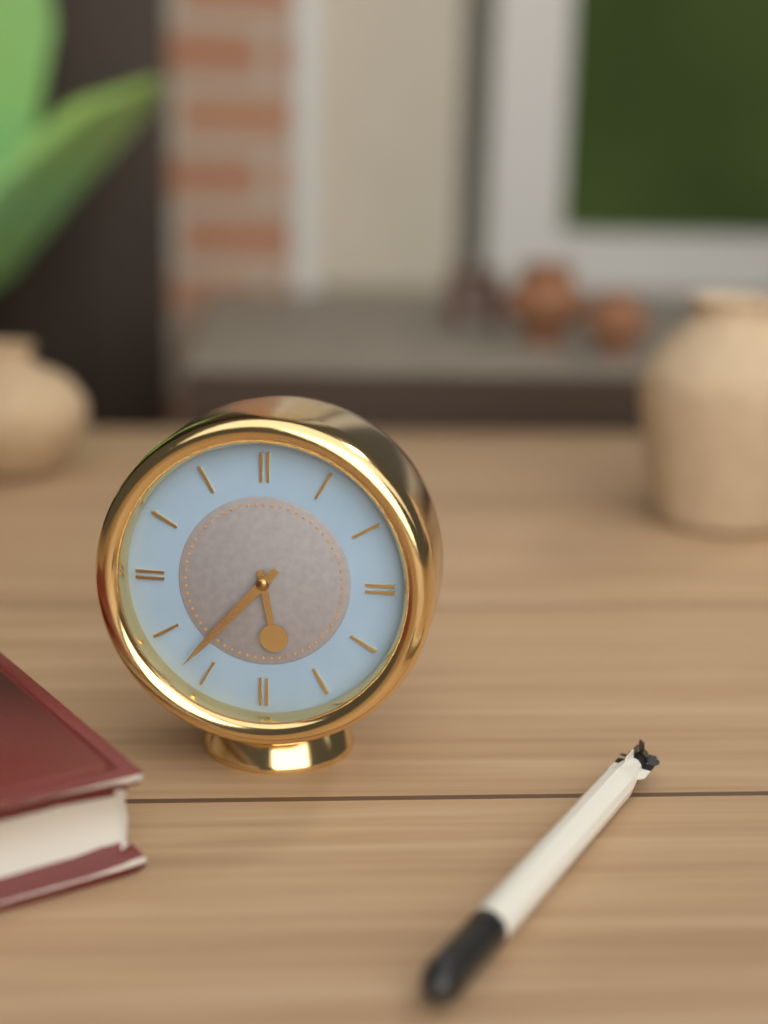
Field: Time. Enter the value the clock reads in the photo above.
5:37
